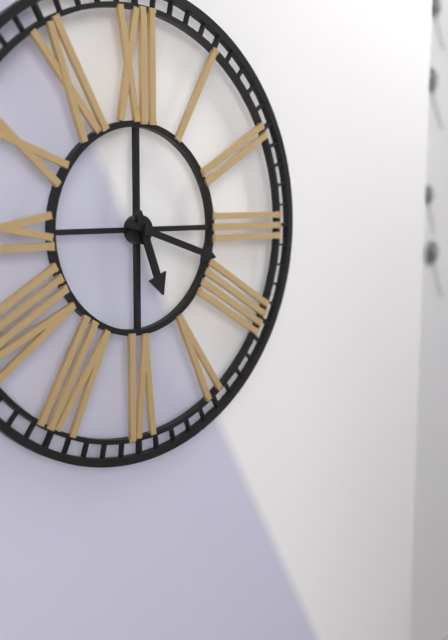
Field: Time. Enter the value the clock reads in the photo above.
5:18
